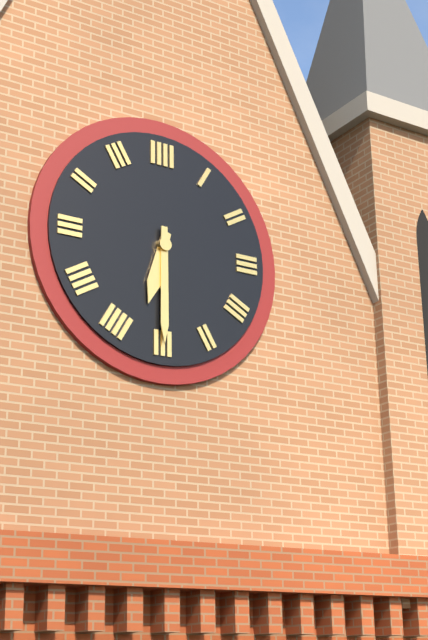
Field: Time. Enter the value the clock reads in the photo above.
6:30
